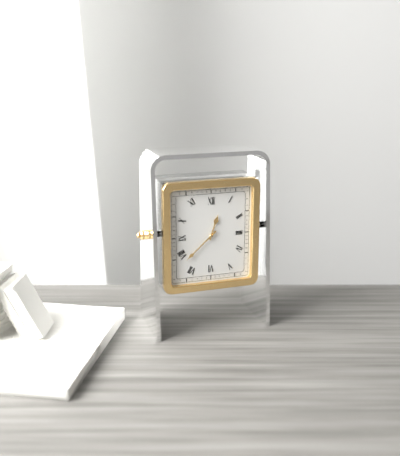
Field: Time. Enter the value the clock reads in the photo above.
12:38
